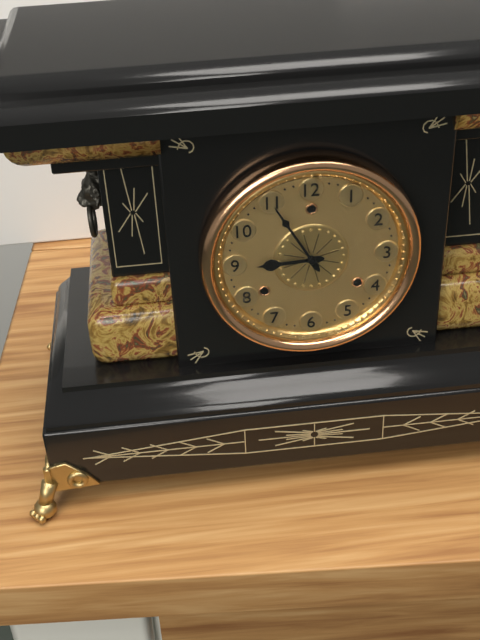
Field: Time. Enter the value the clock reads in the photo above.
8:55
